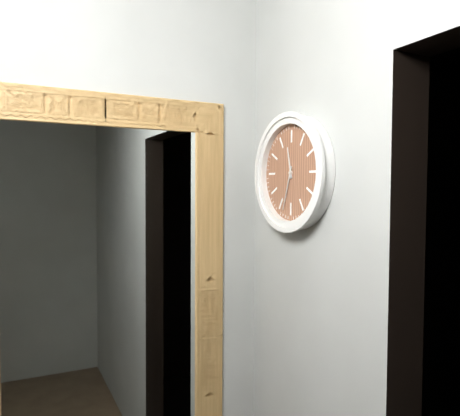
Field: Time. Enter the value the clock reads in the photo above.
11:33
